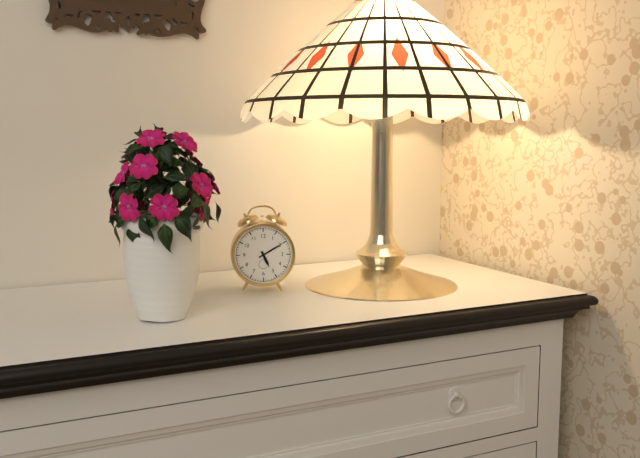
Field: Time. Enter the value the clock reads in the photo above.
5:10
